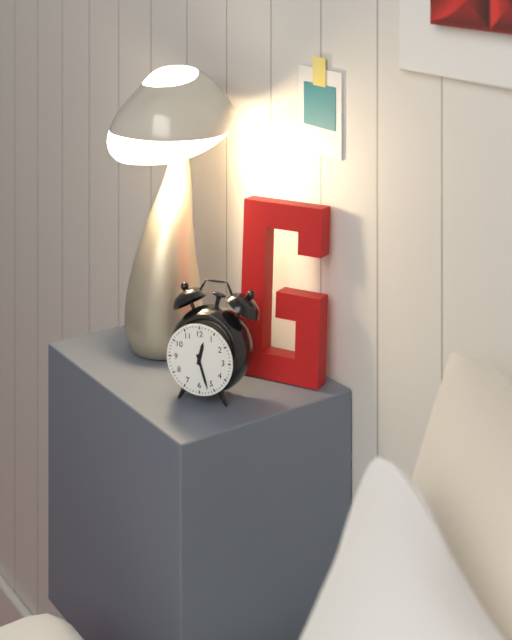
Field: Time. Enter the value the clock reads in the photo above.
12:27
